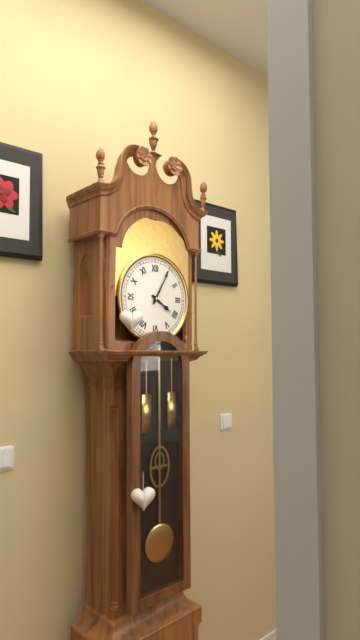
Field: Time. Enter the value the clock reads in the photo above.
4:05
